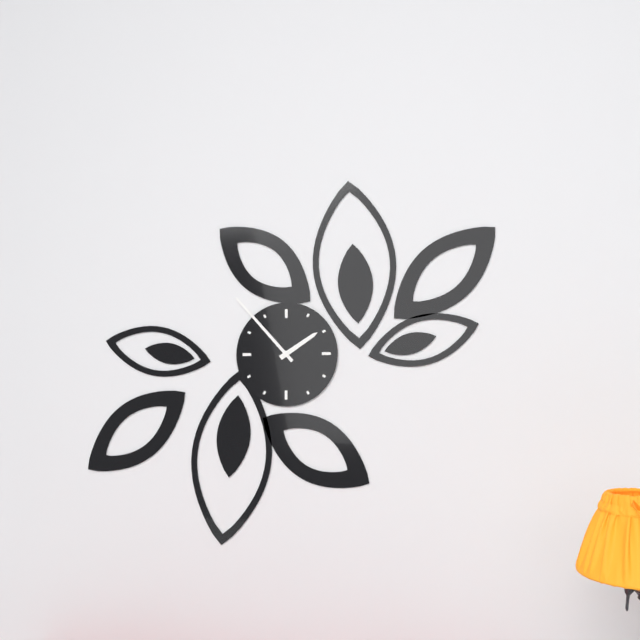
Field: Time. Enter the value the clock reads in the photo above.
1:53
